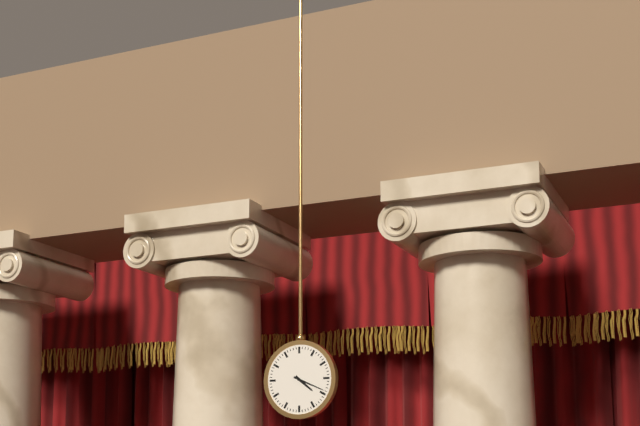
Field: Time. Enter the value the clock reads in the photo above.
4:19
